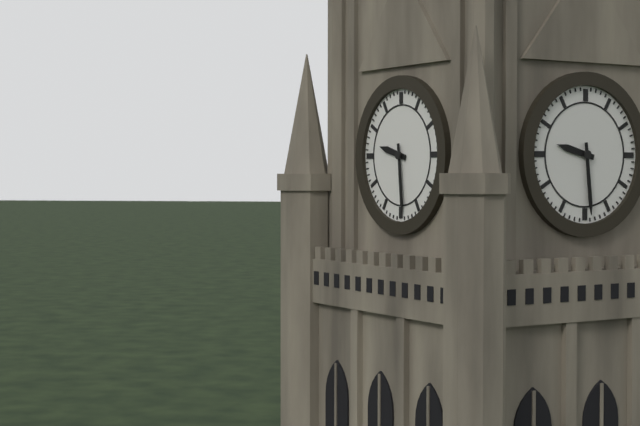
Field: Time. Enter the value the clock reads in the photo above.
9:29
